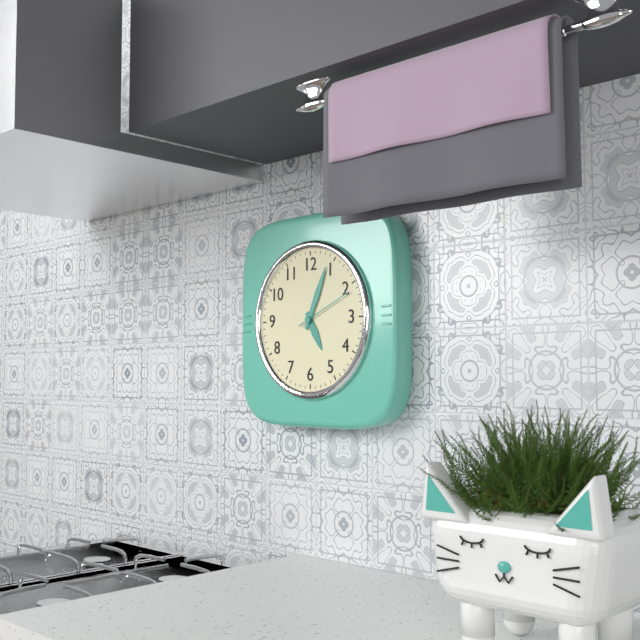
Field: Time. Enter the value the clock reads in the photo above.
5:04:11
